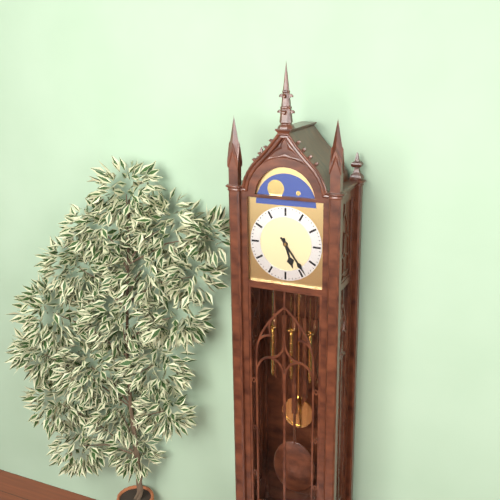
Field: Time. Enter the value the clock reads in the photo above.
5:24
